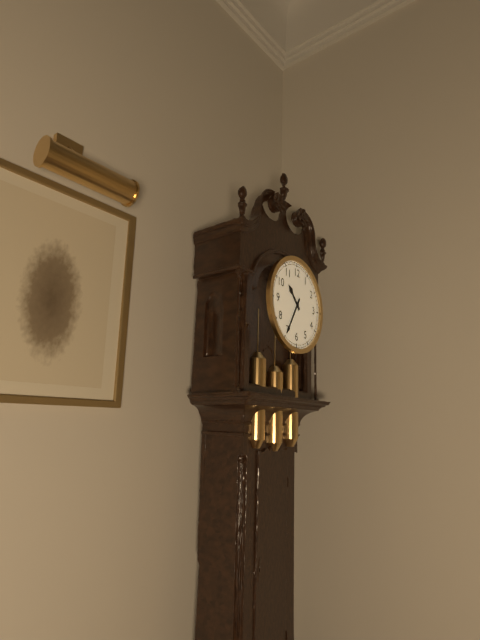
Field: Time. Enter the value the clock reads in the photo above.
10:35
